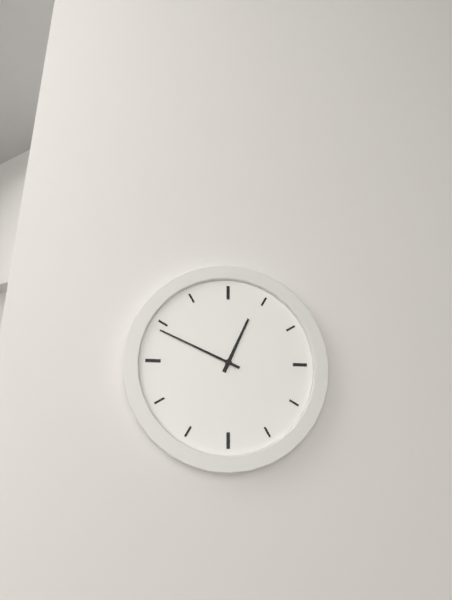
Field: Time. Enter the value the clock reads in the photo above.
12:49
